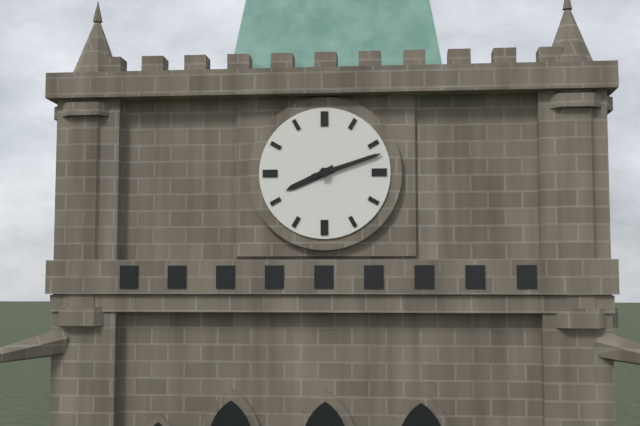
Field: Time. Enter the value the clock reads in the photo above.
8:12
